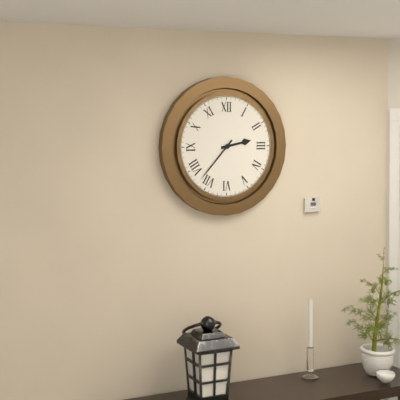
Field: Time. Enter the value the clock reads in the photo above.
2:37
